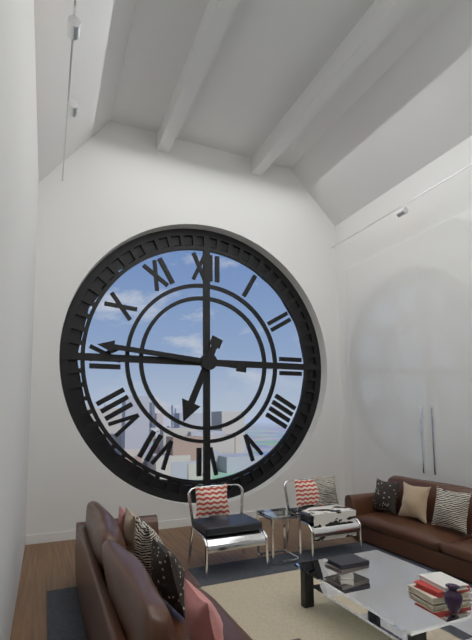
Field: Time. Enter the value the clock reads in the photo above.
6:46
